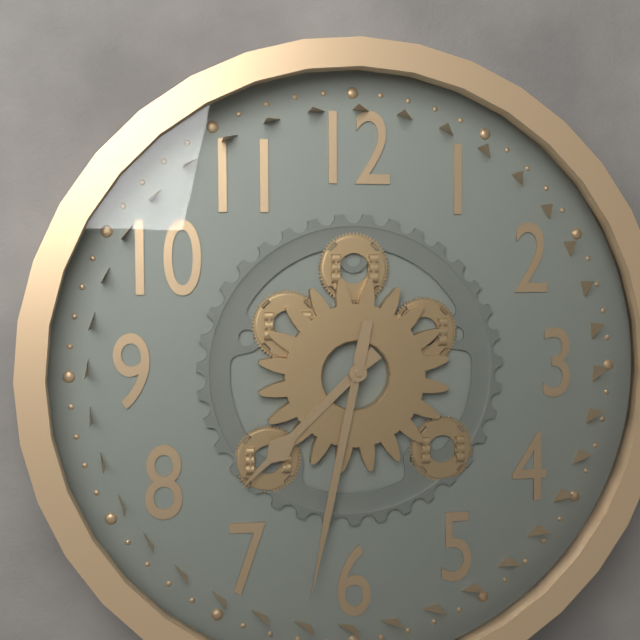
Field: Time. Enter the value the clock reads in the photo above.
7:32
